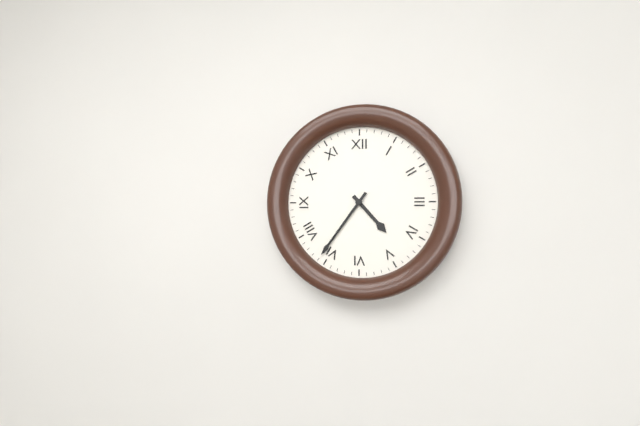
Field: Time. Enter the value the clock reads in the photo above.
4:36
